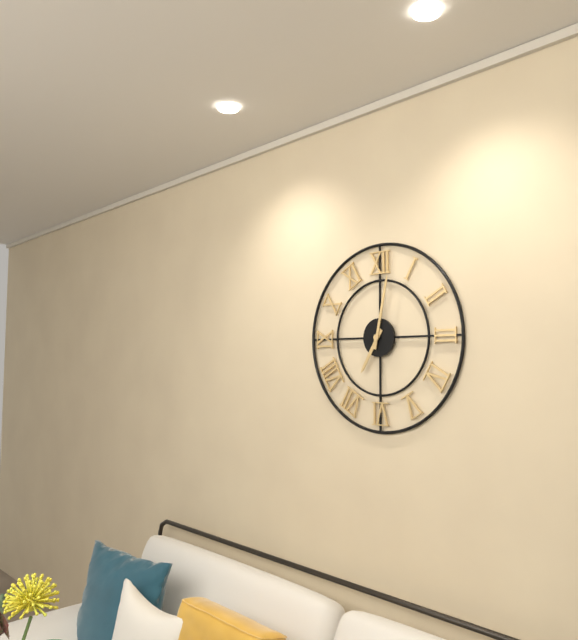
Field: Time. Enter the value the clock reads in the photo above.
7:02
